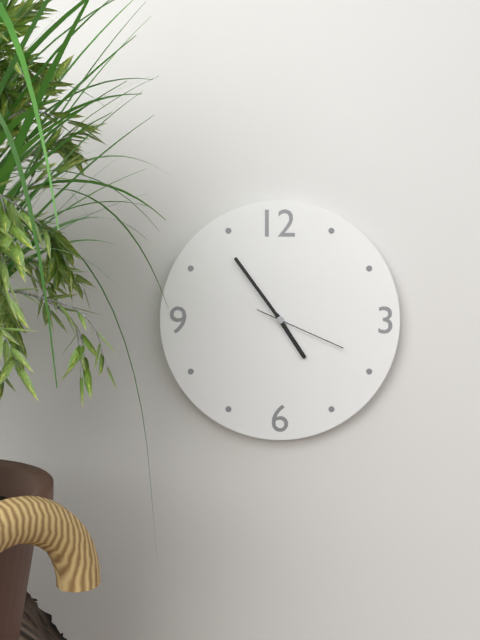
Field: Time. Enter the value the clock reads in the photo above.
4:54:19
